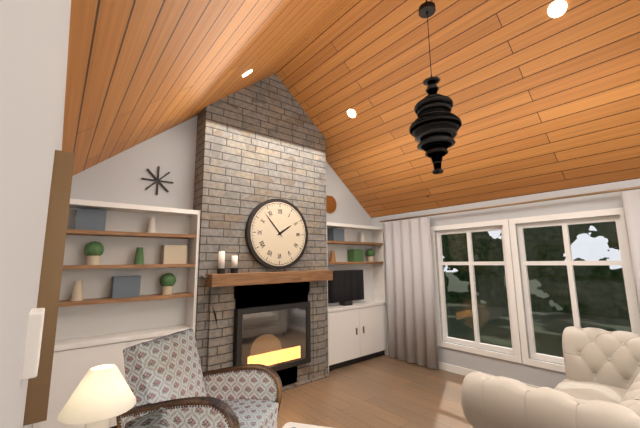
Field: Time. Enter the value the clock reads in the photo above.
1:53
